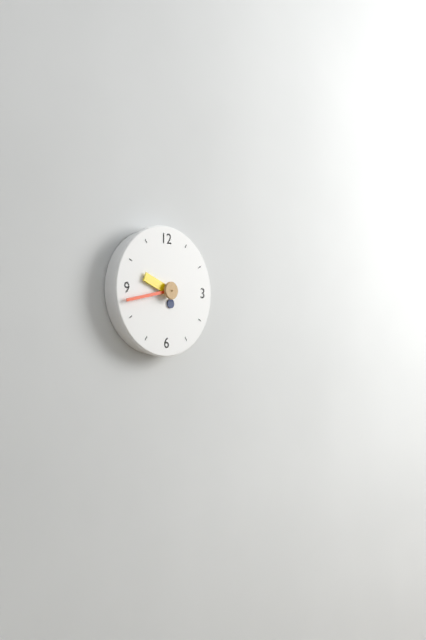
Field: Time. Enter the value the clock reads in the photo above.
9:43
